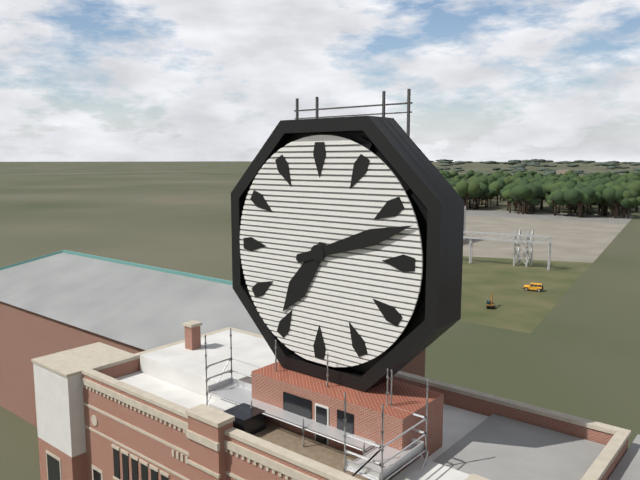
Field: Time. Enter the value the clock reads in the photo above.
7:12
